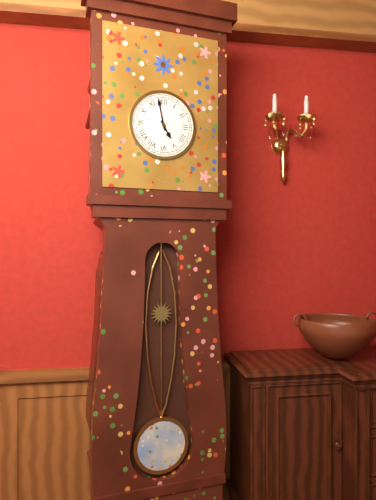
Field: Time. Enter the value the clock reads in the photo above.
4:58
